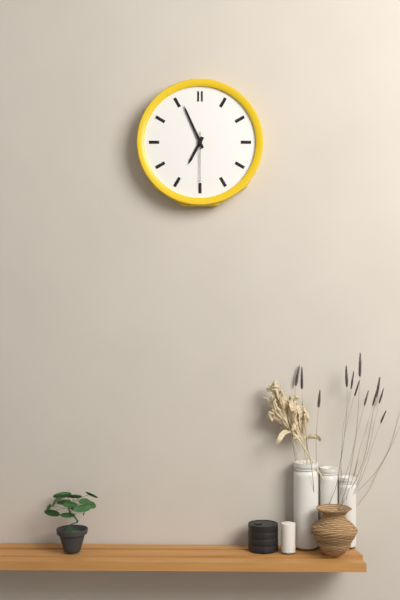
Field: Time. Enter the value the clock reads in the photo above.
6:56:30
